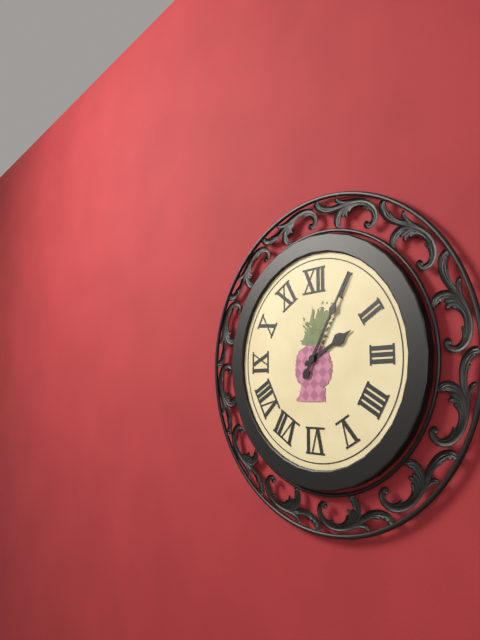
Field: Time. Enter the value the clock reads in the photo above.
2:05
